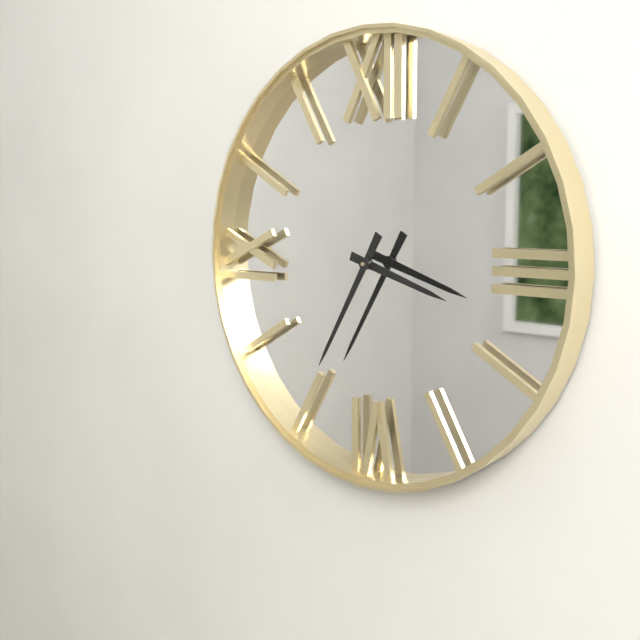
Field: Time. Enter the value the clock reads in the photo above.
3:35
